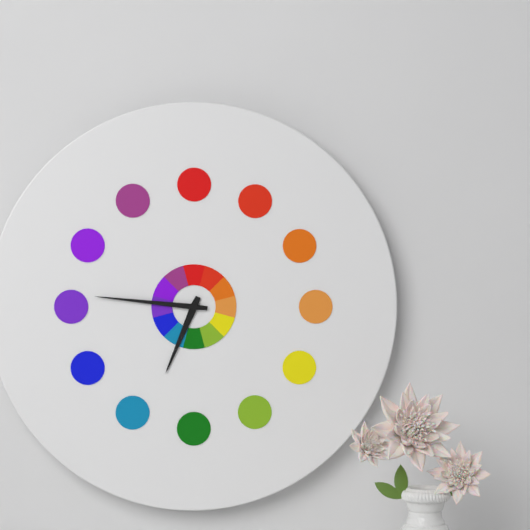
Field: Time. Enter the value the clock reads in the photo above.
6:46
